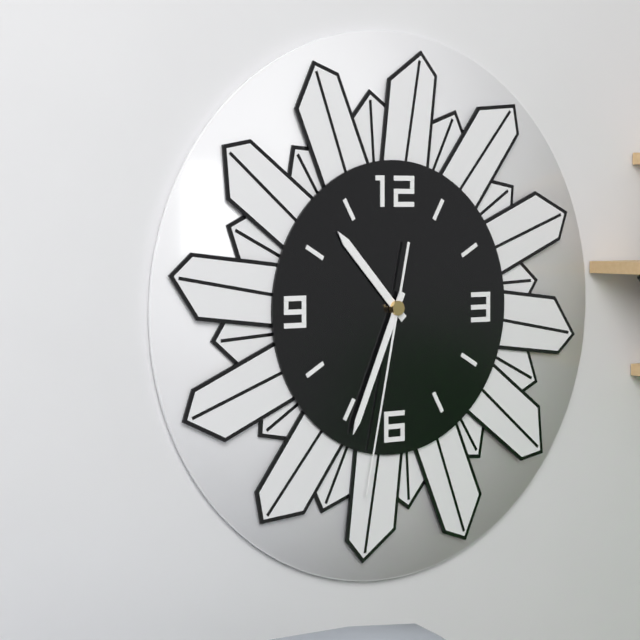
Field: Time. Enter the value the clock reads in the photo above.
10:34:32
